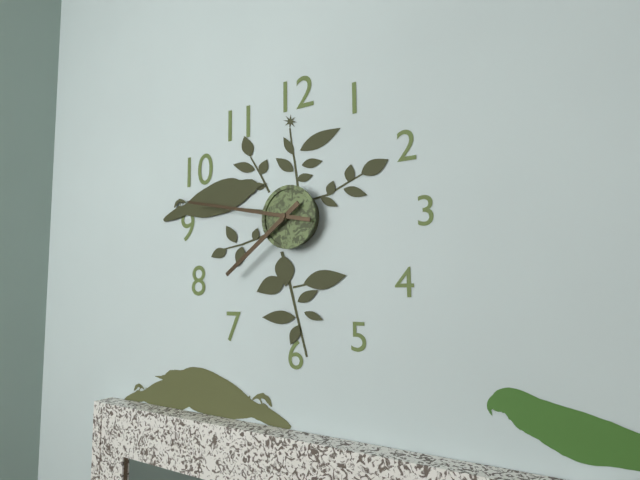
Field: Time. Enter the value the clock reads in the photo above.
7:47
